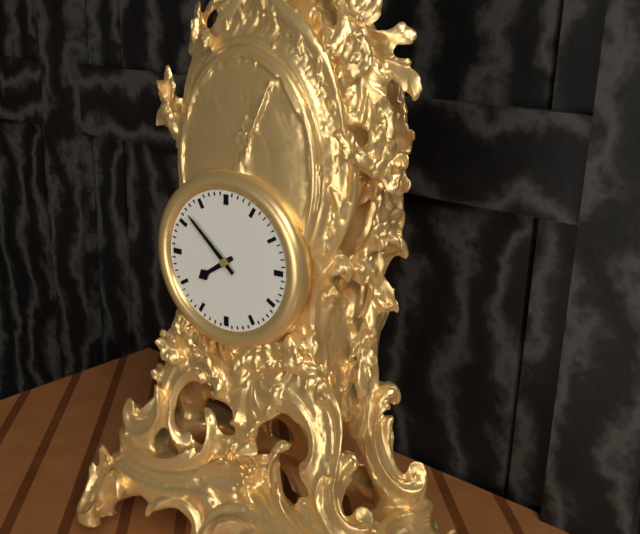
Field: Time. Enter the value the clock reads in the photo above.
7:52
